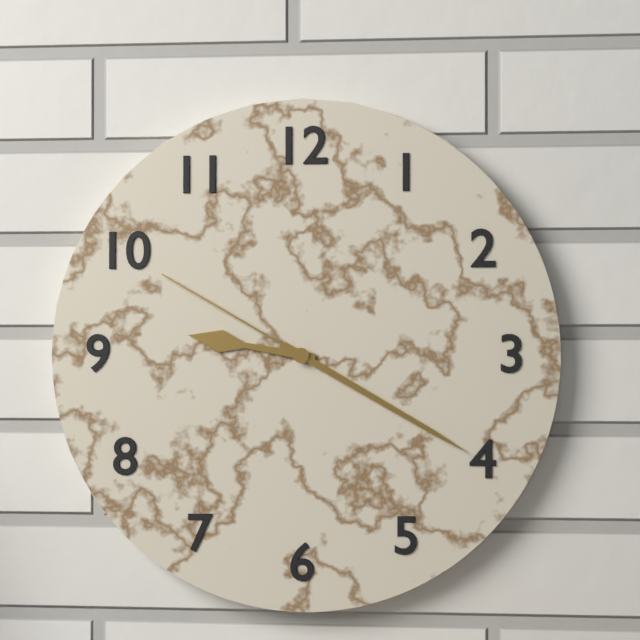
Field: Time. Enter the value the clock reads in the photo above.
9:20:50
